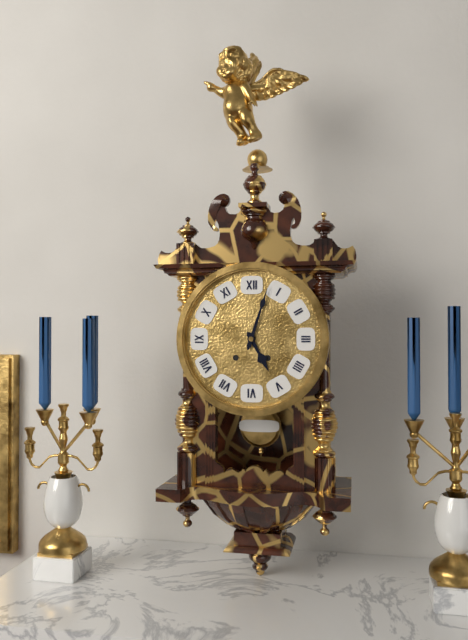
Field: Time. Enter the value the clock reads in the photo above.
5:03
